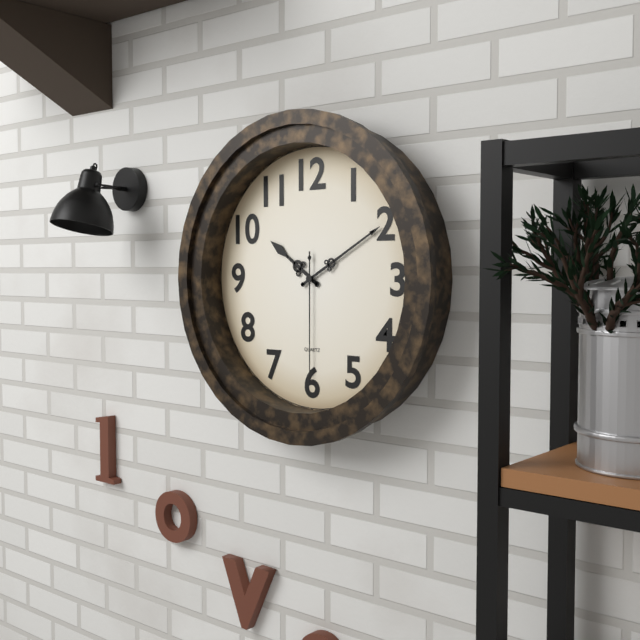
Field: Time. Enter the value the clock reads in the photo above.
10:10:30
